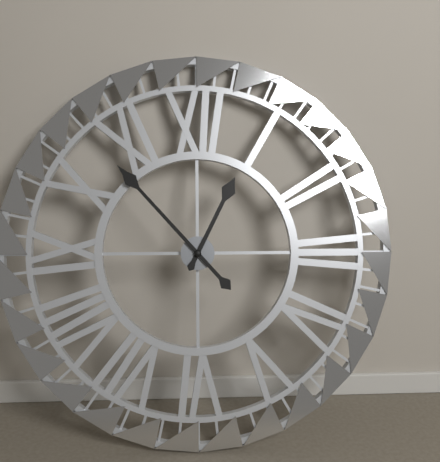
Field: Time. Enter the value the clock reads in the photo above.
12:53
